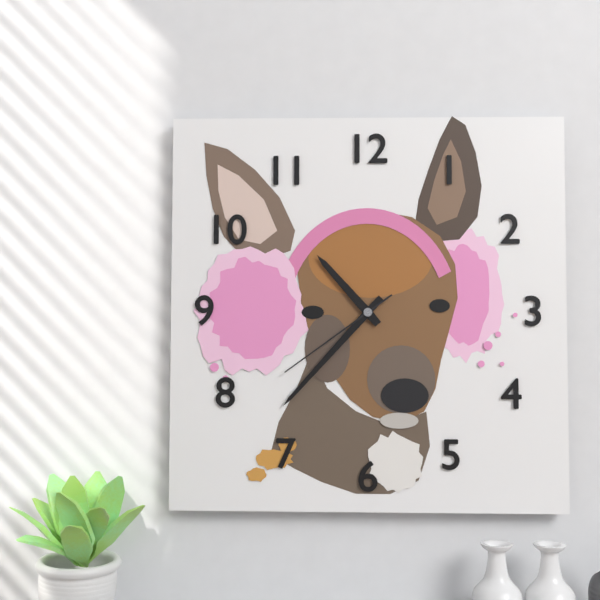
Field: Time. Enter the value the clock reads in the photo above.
10:37:39
